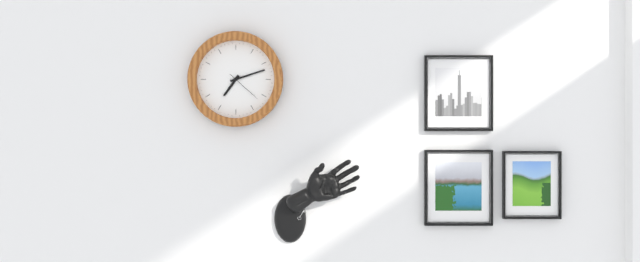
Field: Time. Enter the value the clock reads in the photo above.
7:12
